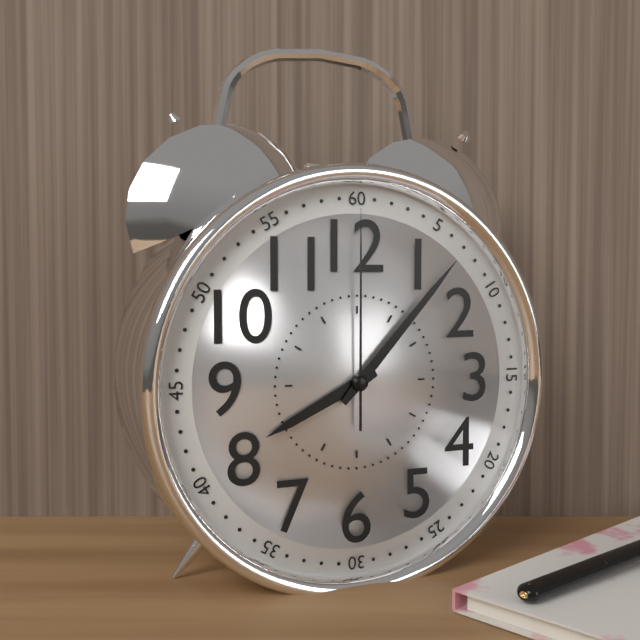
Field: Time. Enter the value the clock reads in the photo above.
8:07:00
